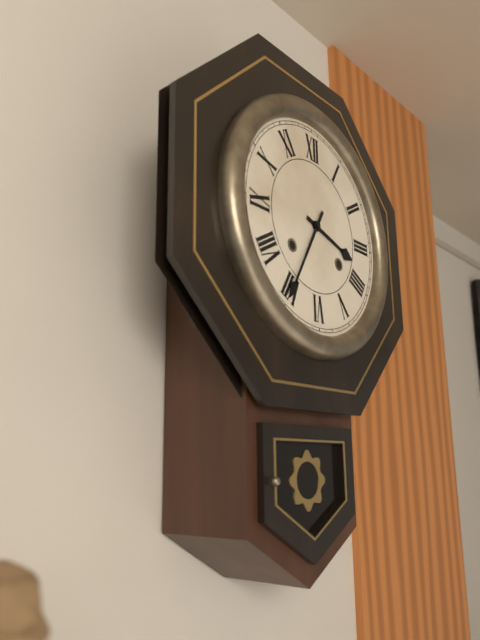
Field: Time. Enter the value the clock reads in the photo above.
3:35
